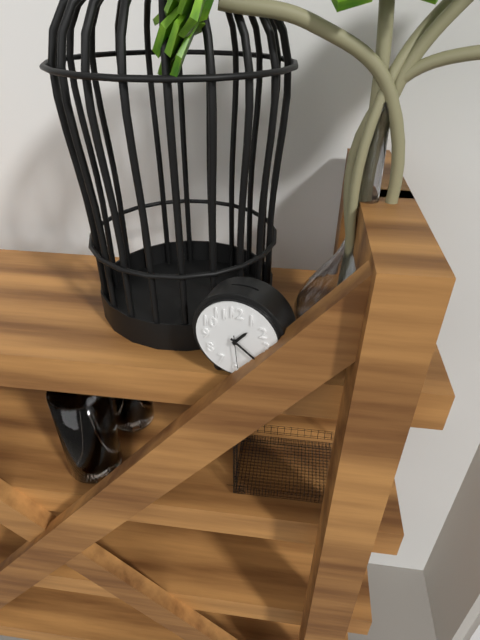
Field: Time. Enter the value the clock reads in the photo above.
1:21
